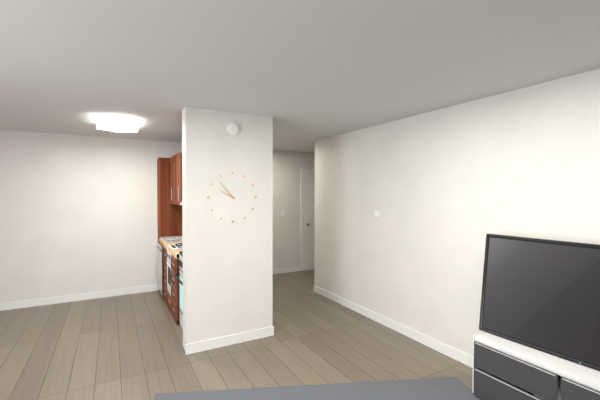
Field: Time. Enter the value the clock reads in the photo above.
9:53
